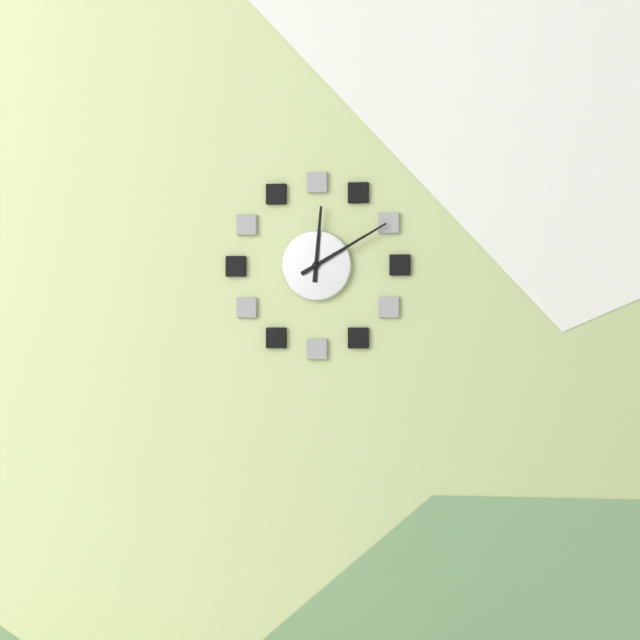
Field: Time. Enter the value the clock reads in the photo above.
12:10
